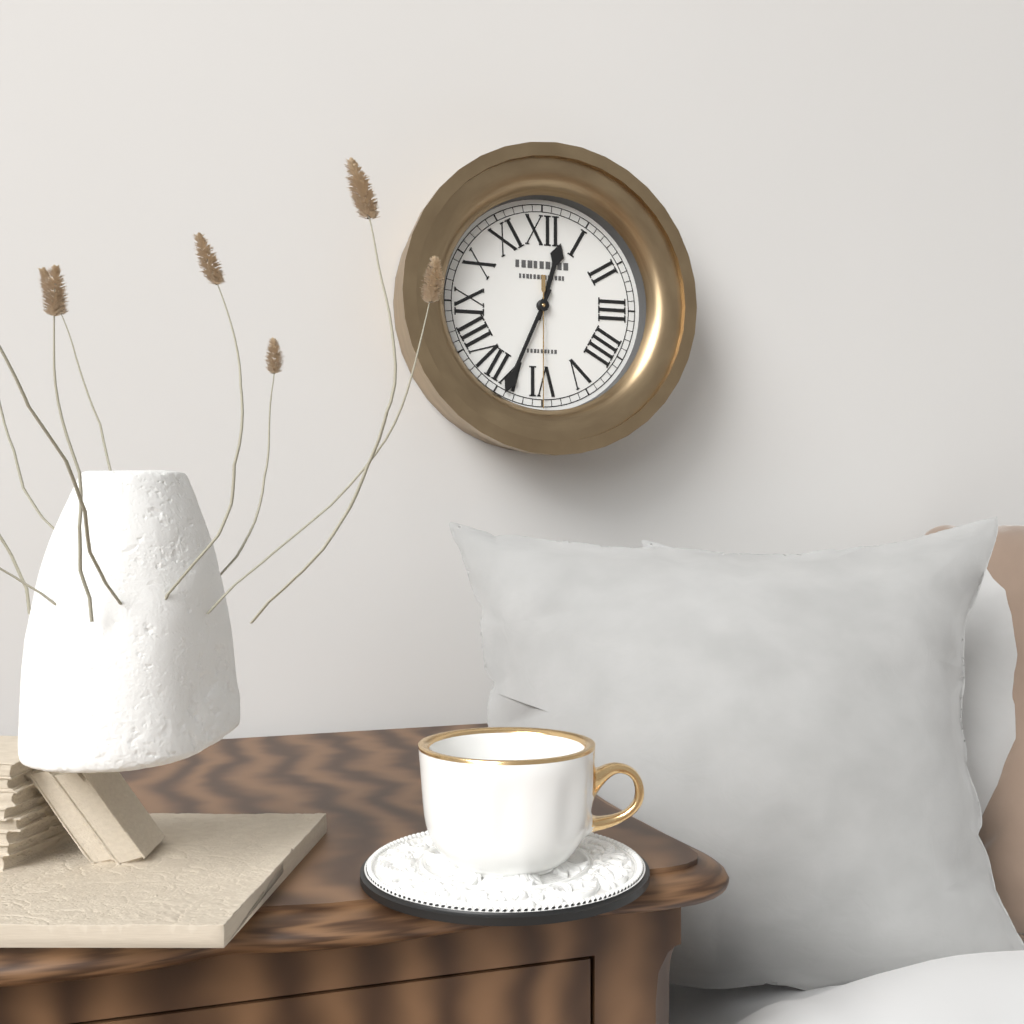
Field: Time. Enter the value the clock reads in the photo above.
12:34:30
